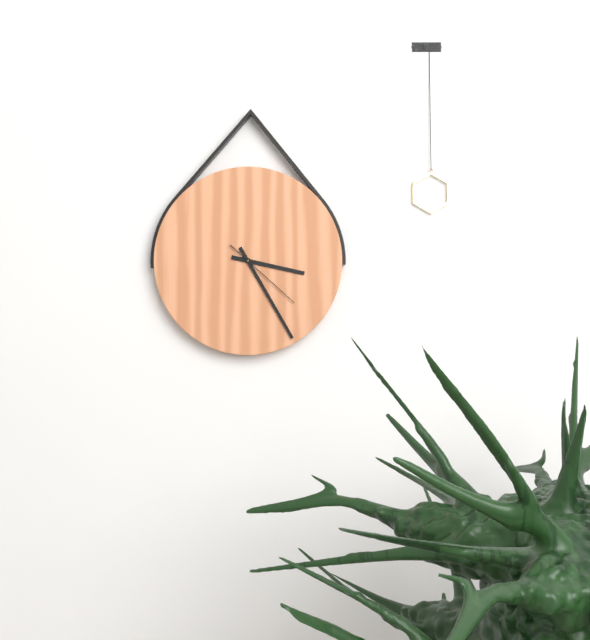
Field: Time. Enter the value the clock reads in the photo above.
3:25:22
